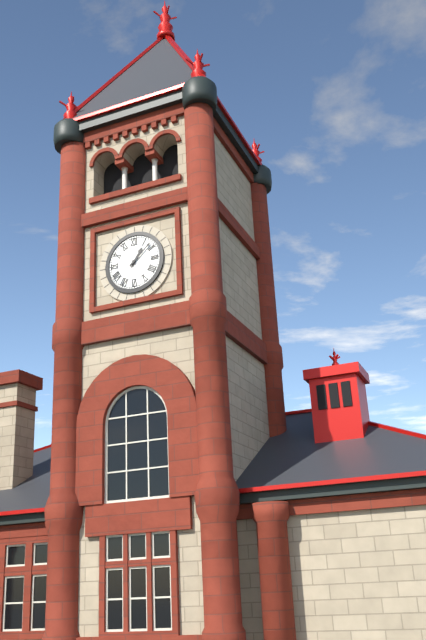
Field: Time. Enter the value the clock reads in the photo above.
1:08
